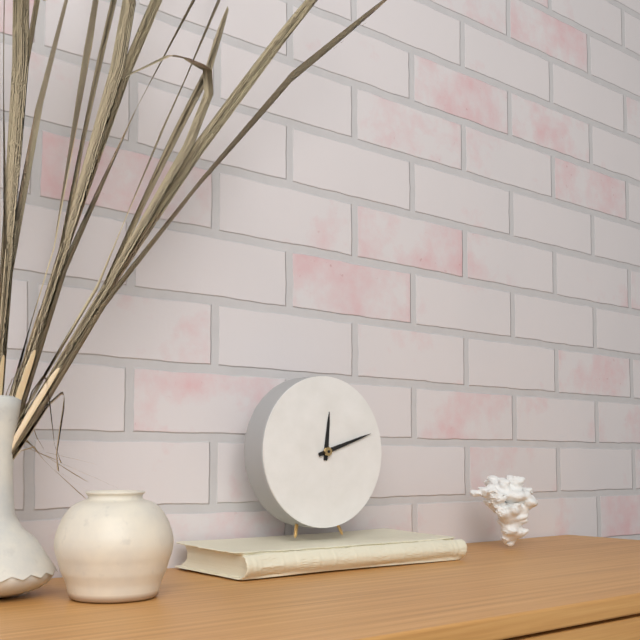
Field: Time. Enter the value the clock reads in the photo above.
12:12
